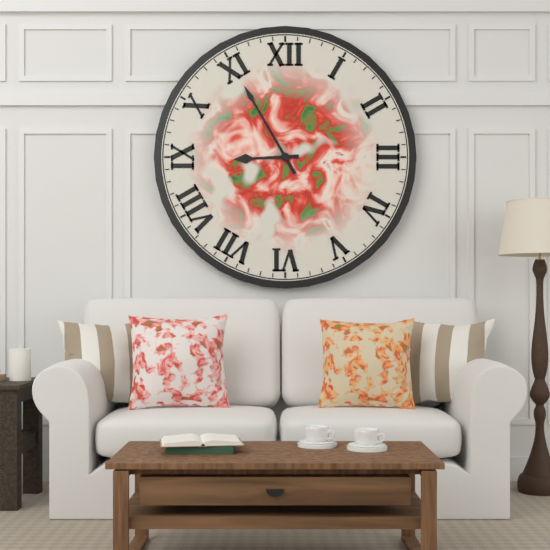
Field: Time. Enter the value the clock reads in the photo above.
8:55
